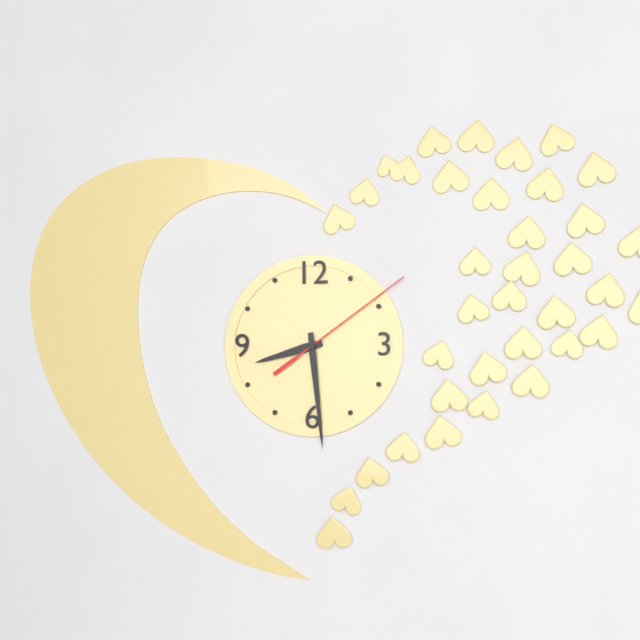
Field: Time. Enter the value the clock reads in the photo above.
8:29:09
